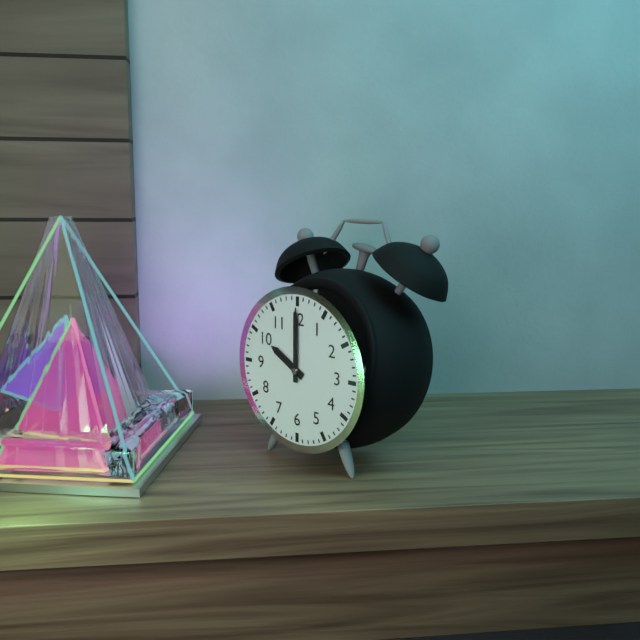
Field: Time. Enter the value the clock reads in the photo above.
10:00
